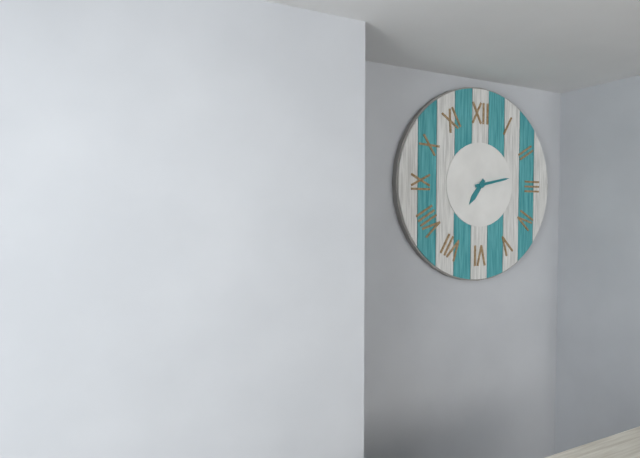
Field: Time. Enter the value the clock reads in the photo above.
7:13
